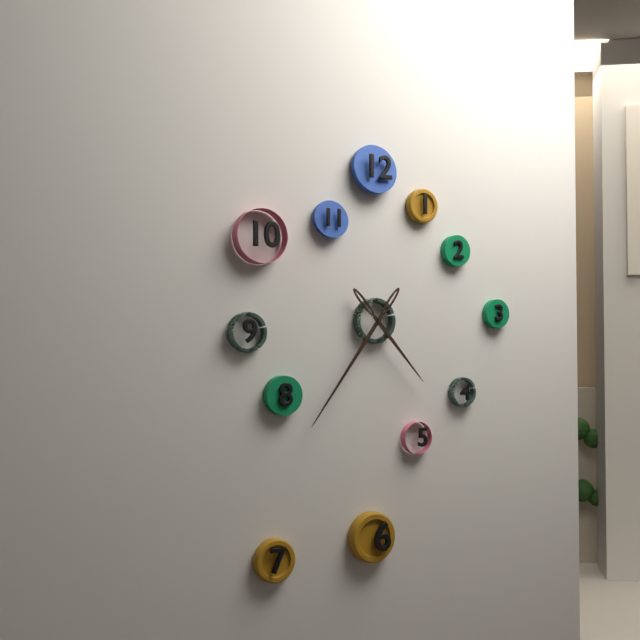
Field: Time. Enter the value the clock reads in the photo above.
4:36
